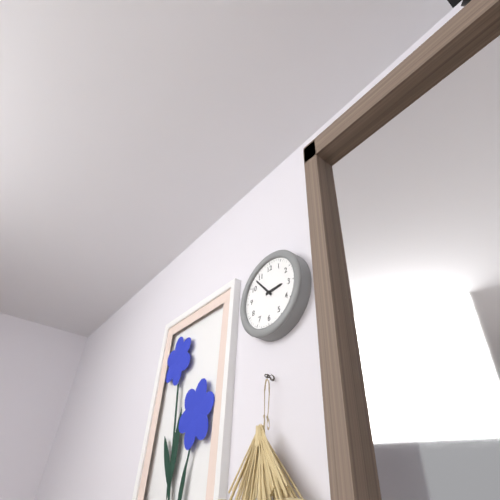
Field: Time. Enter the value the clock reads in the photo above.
2:53
